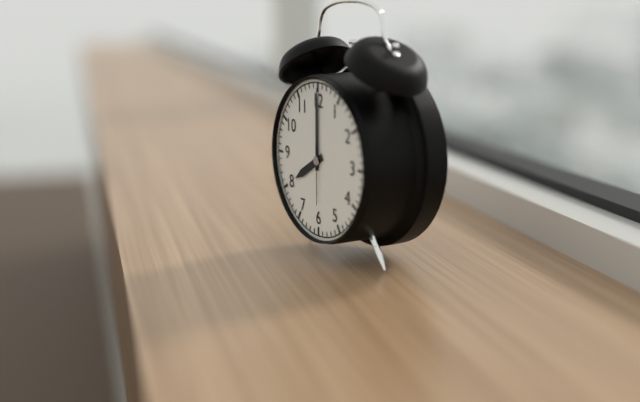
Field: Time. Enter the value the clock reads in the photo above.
8:00:30
